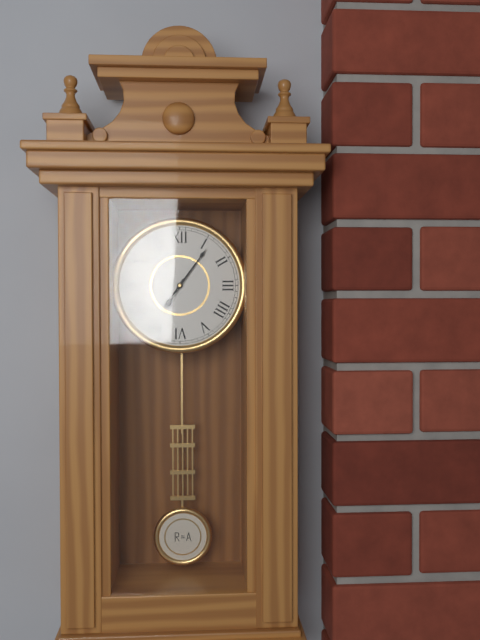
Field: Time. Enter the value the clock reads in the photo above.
7:06
